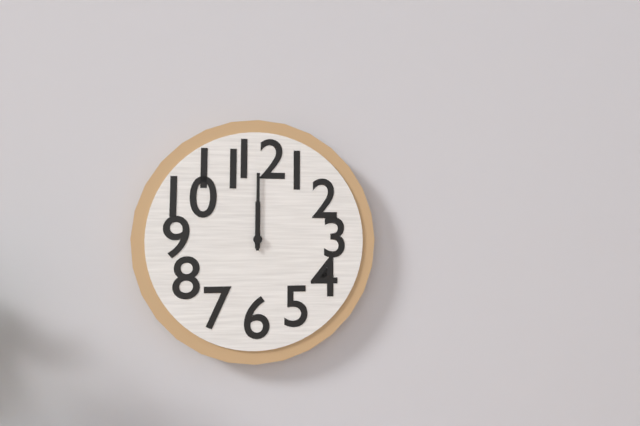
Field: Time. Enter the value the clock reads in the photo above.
12:00
